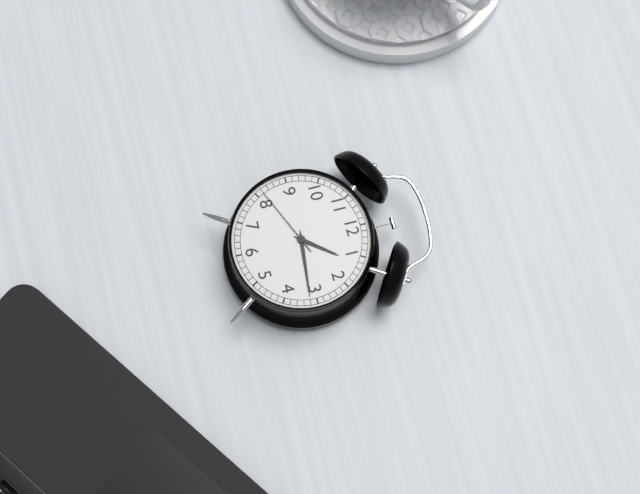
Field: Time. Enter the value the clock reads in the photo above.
1:16:41
